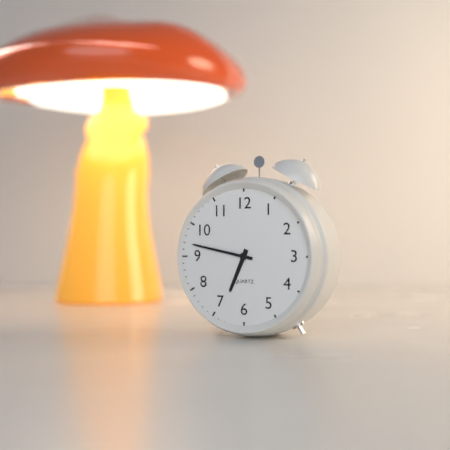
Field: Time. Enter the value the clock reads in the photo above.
6:47
